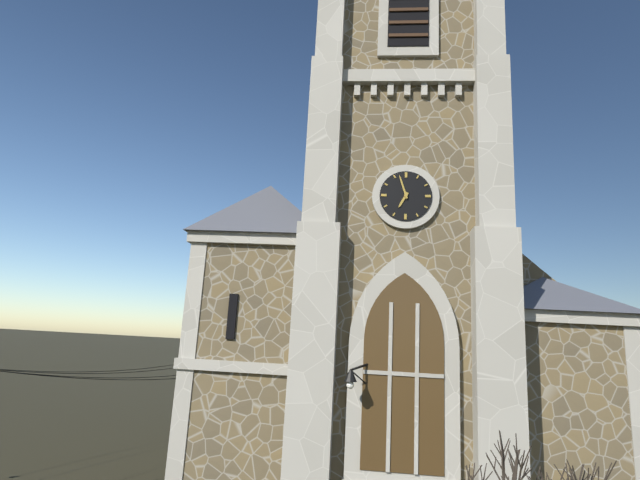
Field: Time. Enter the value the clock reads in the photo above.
6:57
